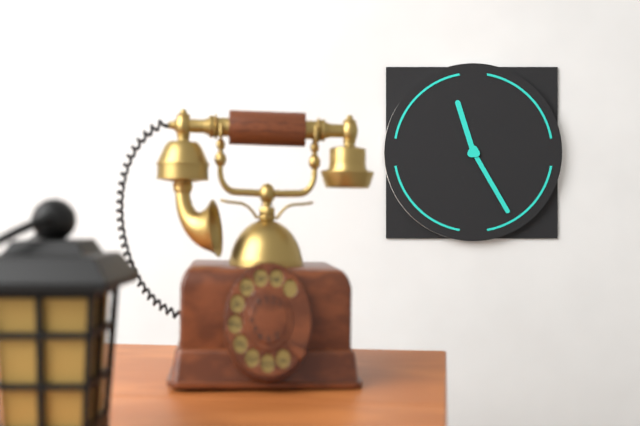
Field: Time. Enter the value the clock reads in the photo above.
11:25
